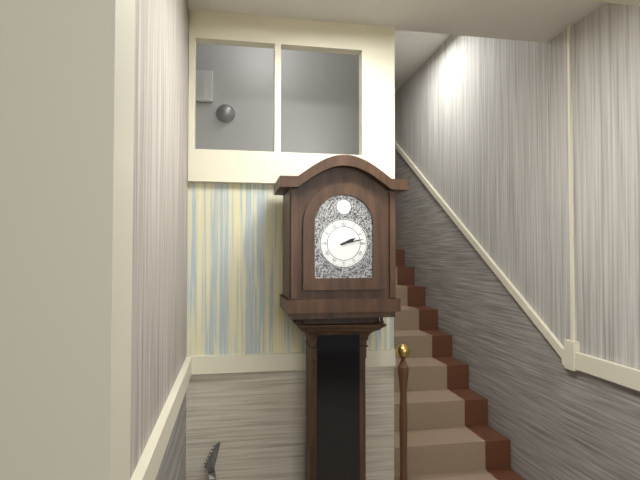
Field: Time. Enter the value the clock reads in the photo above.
2:13
